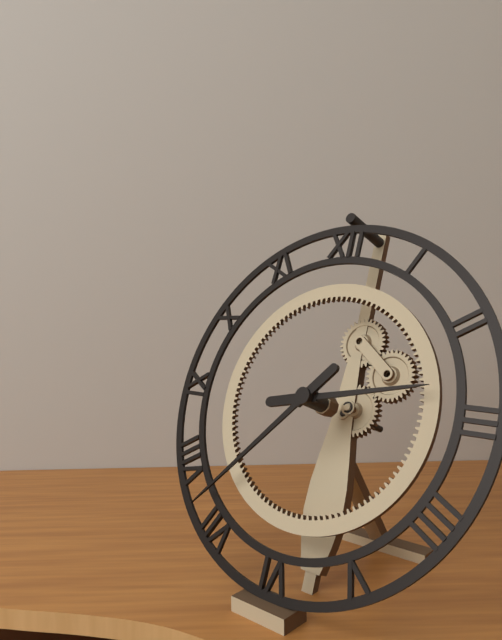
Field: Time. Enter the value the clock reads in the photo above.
2:37
